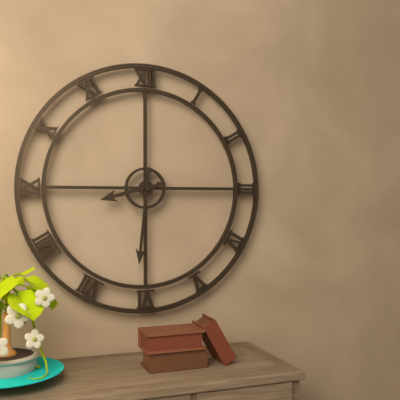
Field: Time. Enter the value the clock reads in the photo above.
8:31
